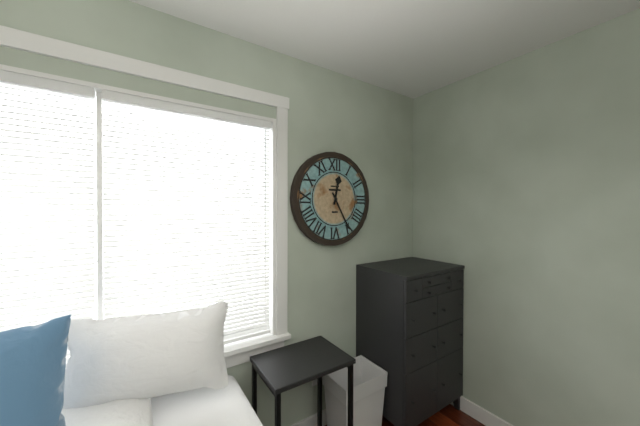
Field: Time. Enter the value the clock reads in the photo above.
12:25
